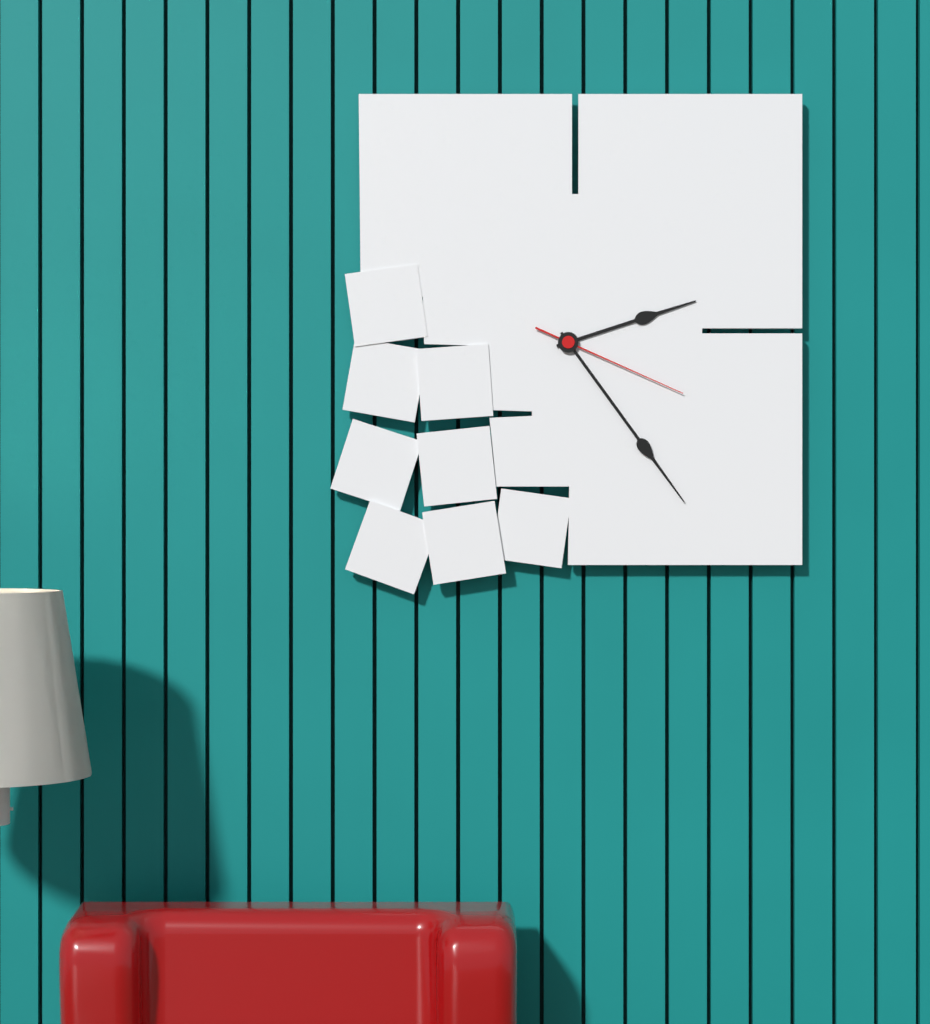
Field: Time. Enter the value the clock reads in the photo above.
2:24:19
